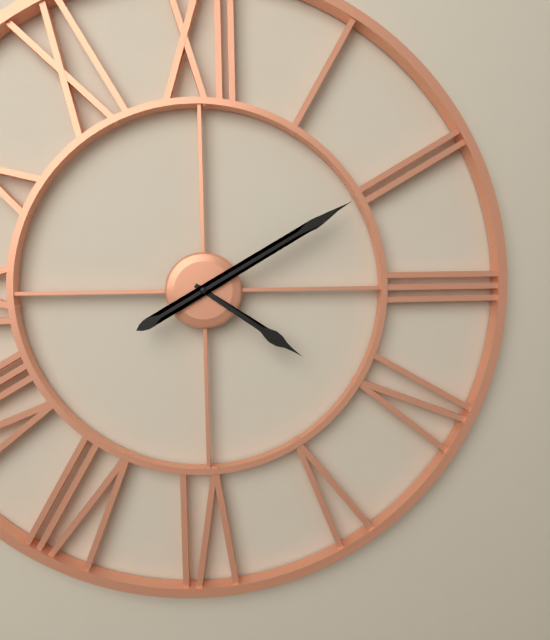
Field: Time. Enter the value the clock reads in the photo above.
4:10
